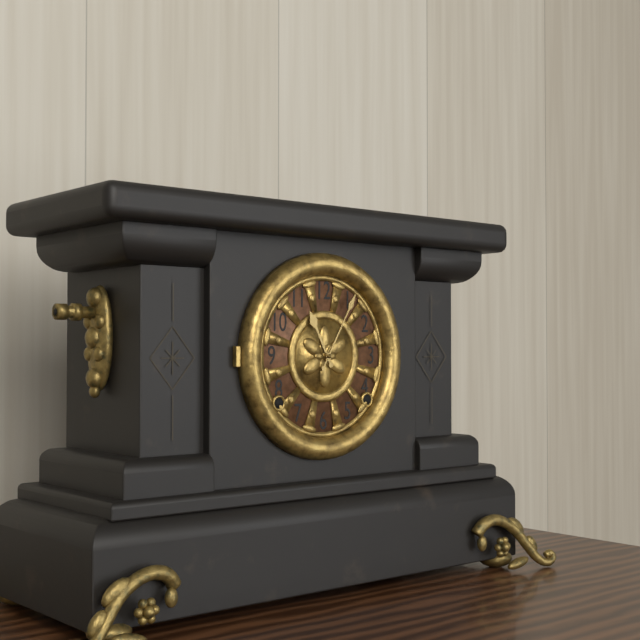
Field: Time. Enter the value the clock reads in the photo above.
11:05
